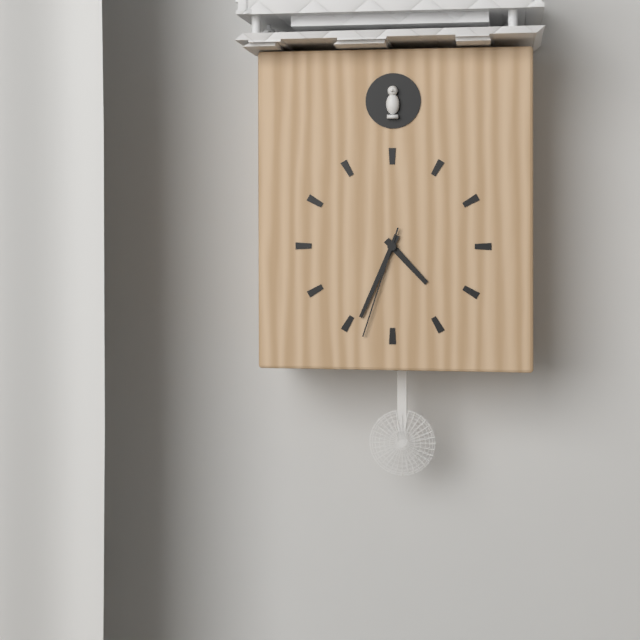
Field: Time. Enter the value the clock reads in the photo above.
4:34:33
